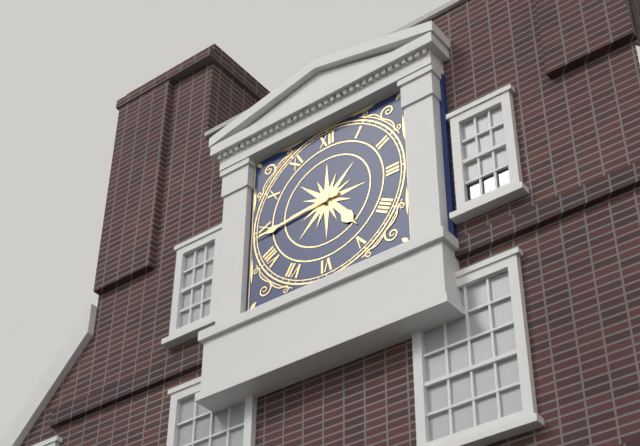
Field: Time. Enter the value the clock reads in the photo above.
4:44
